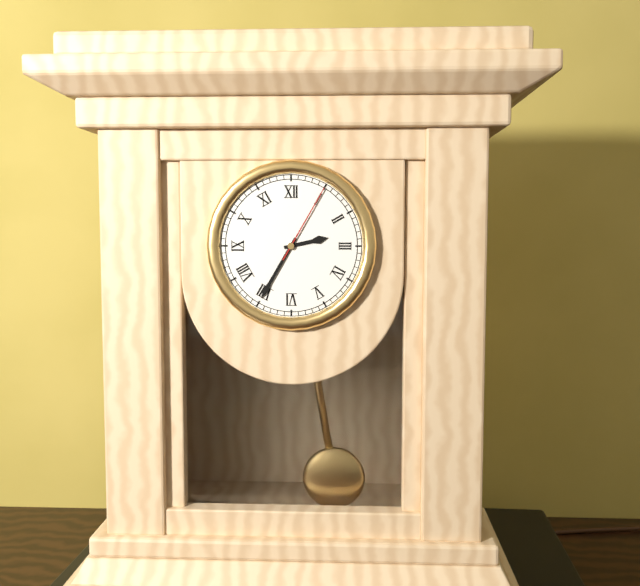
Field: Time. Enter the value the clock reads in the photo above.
2:35:05
